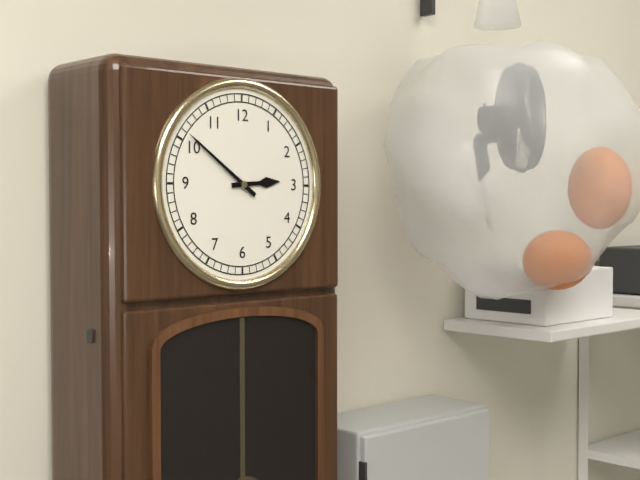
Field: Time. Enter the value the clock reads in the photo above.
2:51
